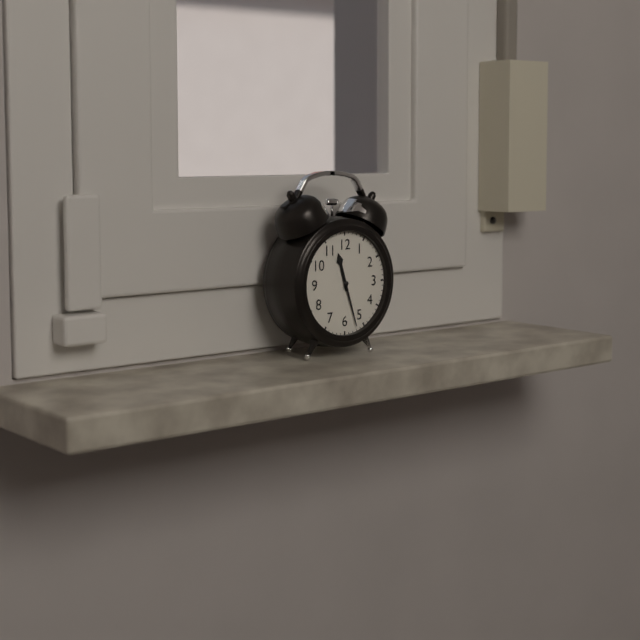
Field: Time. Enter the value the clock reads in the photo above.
11:27
